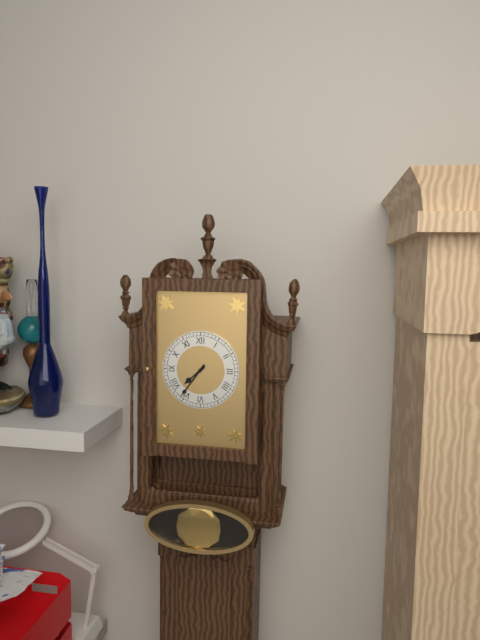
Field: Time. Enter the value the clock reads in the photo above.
7:36
